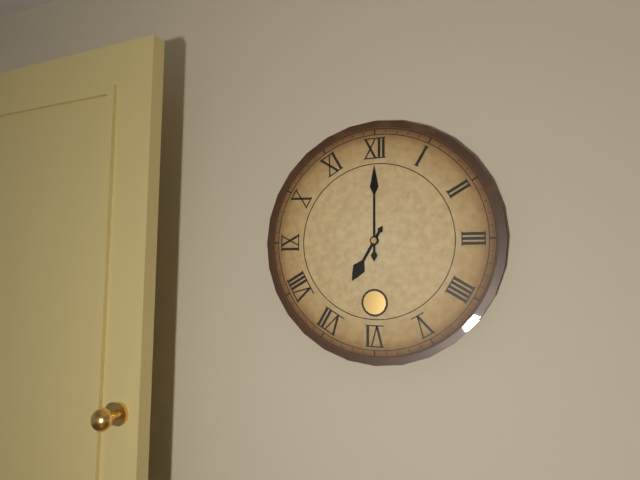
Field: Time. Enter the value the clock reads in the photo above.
7:00
